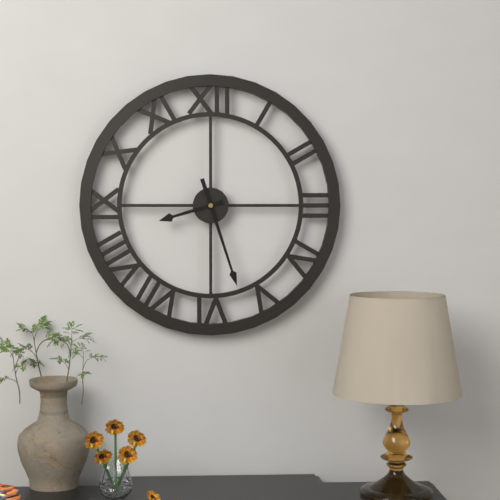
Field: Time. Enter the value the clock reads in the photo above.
8:27
